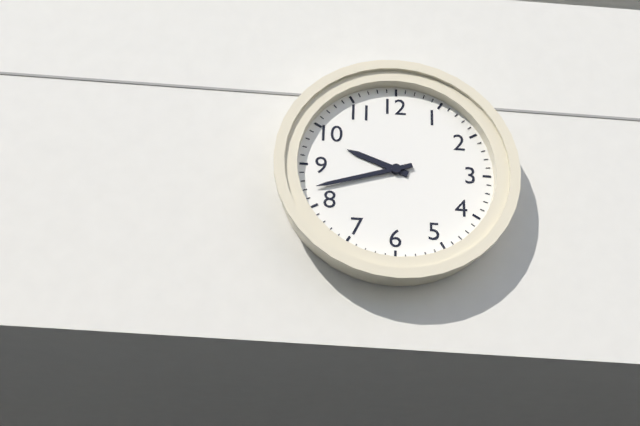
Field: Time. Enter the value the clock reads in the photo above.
9:42
